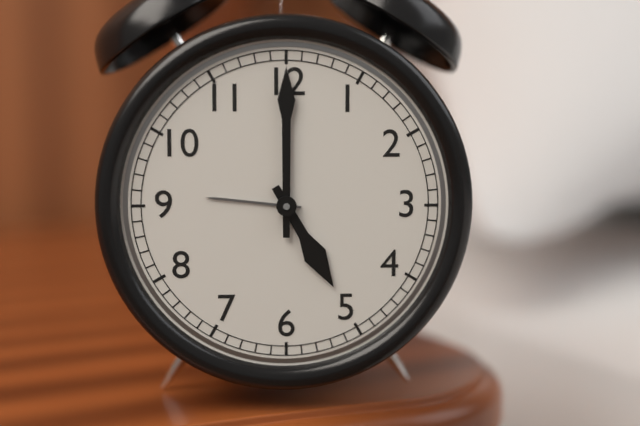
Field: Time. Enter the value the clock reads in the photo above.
5:00
